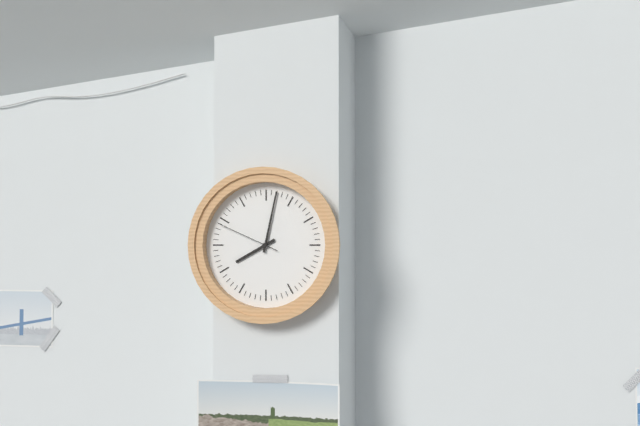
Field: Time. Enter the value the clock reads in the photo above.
8:02:49
